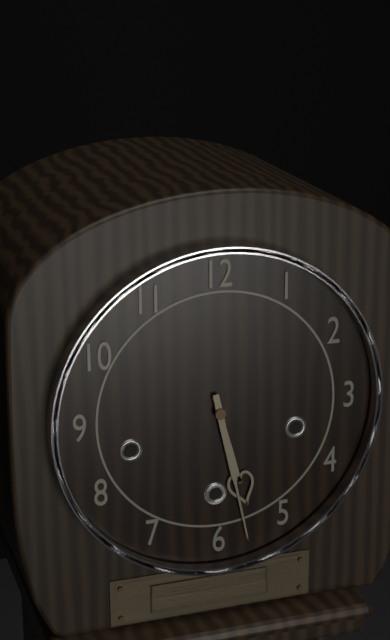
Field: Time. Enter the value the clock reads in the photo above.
5:28
